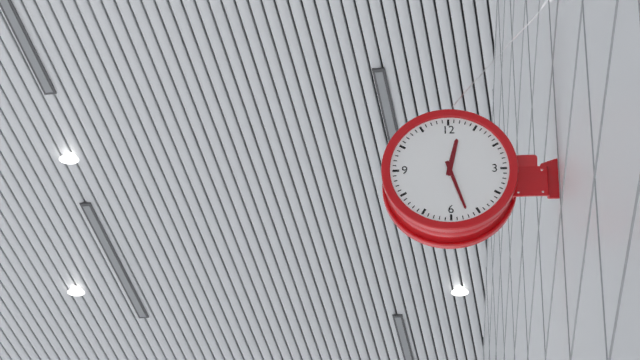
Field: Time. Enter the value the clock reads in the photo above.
12:27
